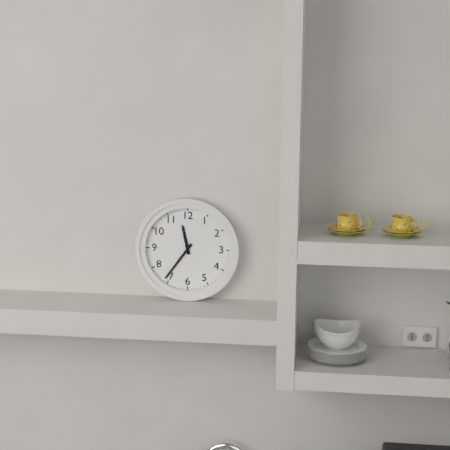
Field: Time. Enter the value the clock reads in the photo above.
11:36
